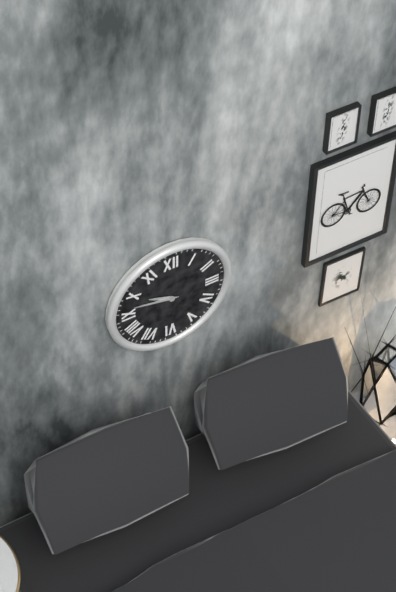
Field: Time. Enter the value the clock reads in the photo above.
9:47
